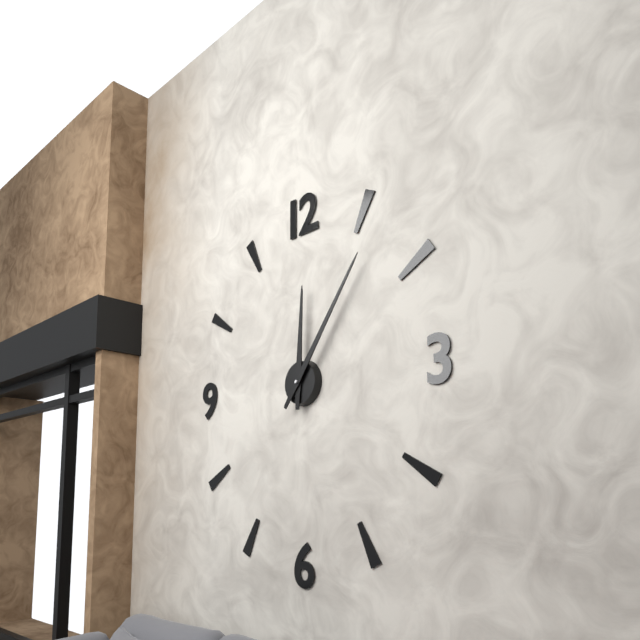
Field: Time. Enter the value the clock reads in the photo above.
12:06
